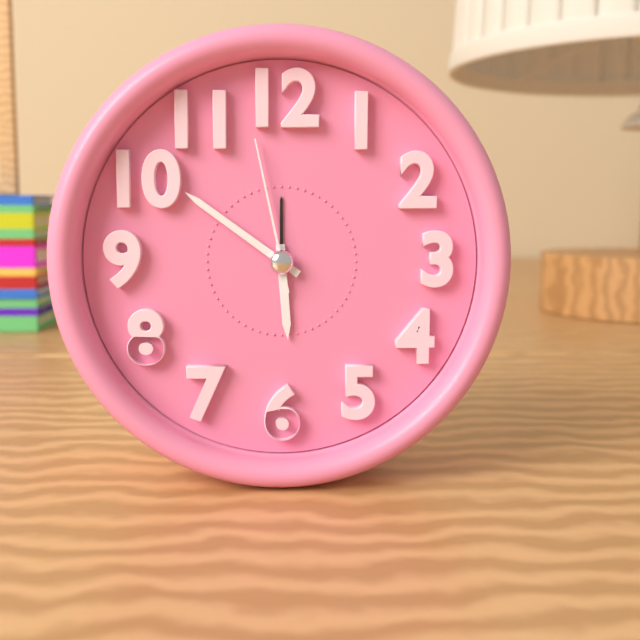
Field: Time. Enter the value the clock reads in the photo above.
5:51:58
